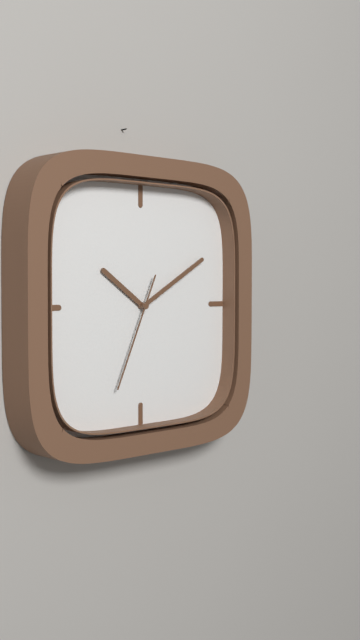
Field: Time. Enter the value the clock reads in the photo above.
10:10:34
